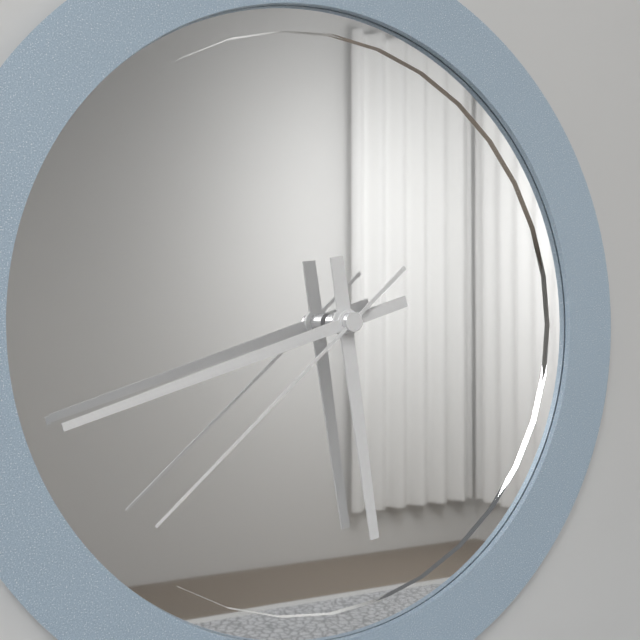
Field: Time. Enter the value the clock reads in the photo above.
5:42:38
